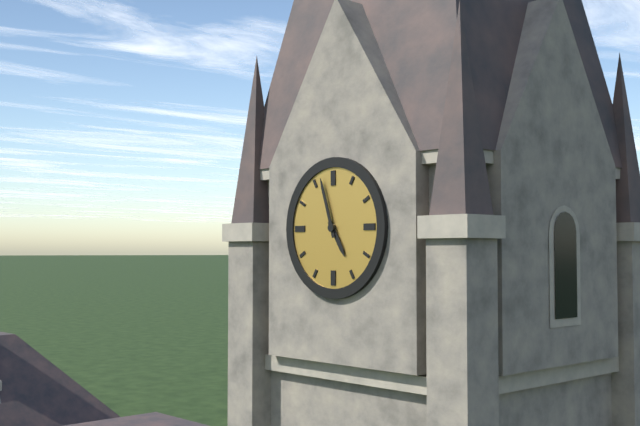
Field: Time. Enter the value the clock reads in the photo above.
4:57
